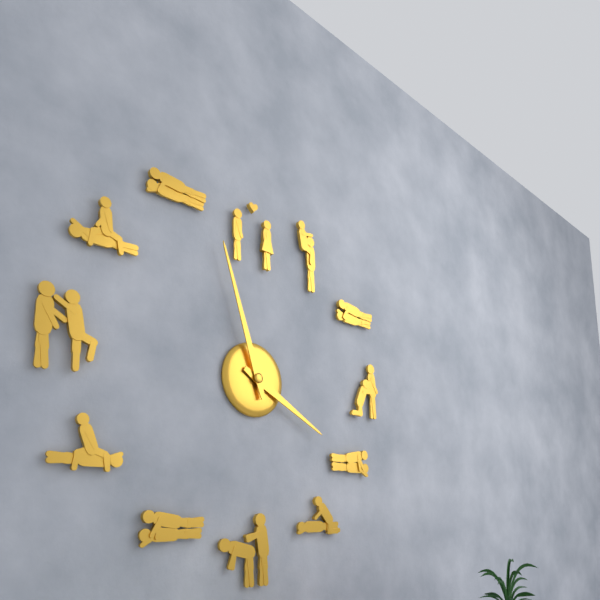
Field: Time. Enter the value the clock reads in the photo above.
3:57
